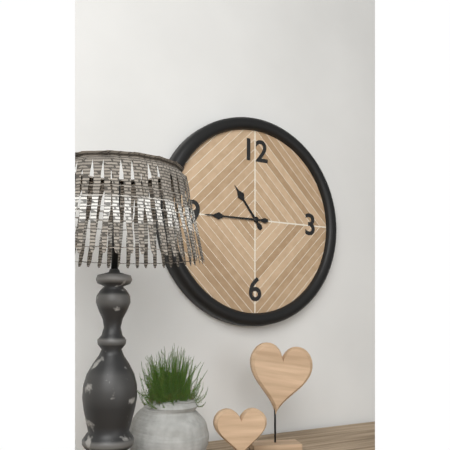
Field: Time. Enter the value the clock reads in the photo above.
10:45
